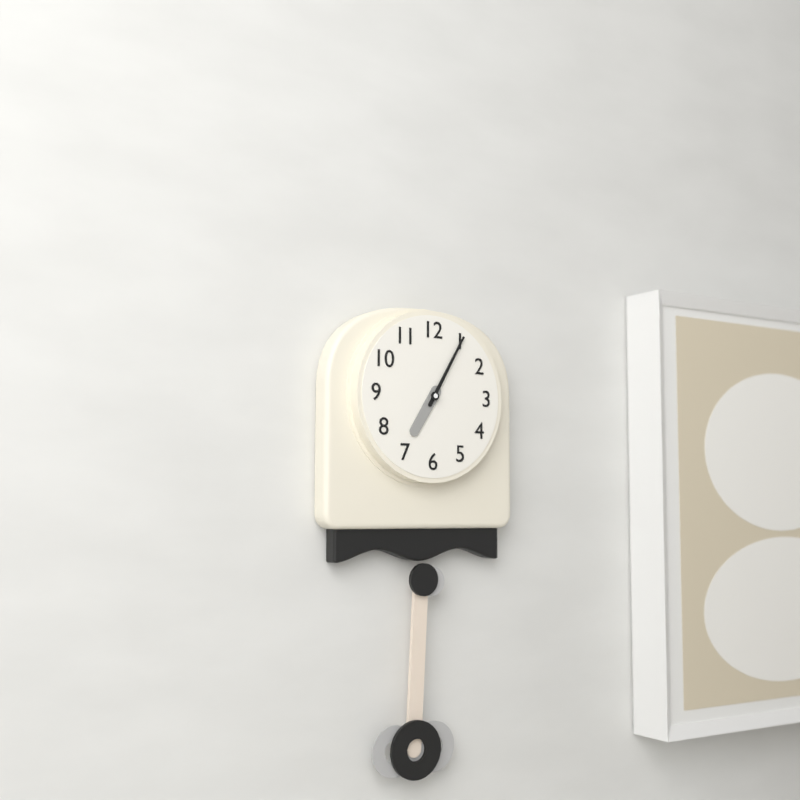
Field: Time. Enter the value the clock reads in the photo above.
7:05
